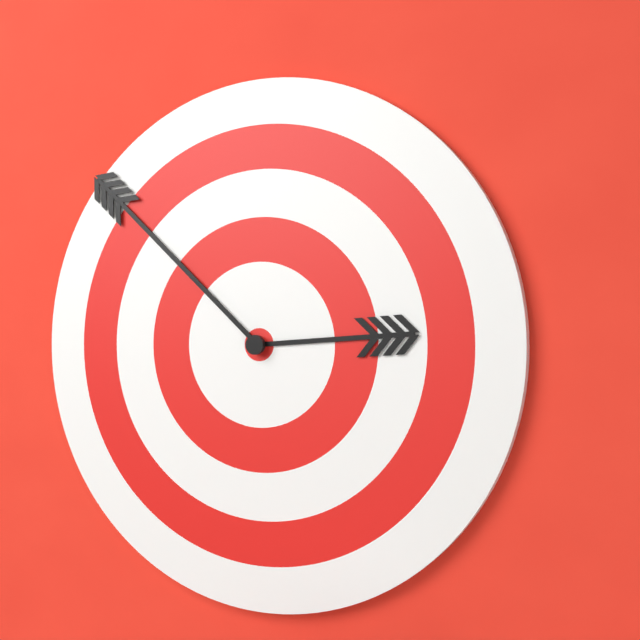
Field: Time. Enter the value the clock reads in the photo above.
2:52
